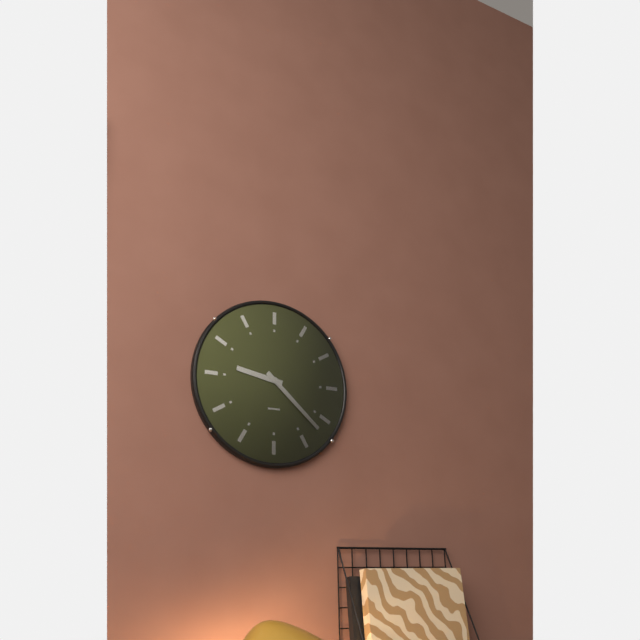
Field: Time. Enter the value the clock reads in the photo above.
9:22
